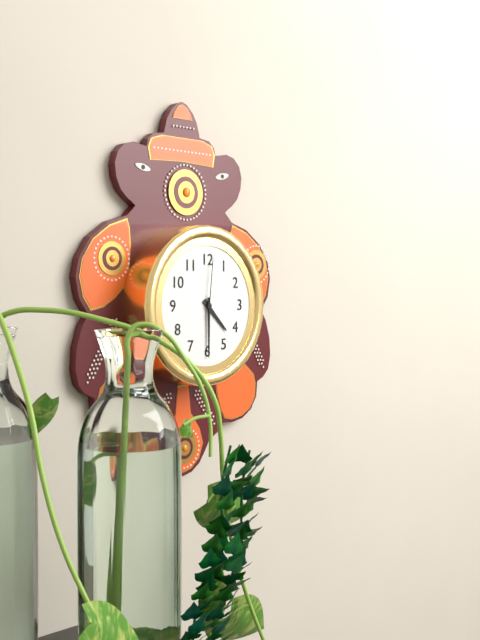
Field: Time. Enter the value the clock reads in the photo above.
4:30:01
